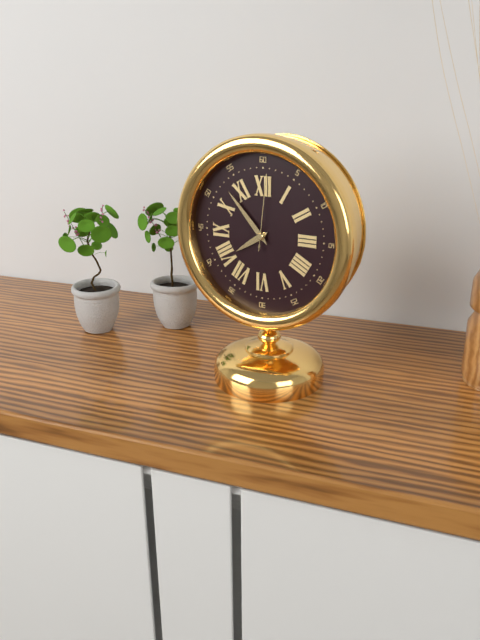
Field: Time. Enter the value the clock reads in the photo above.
7:53:01
